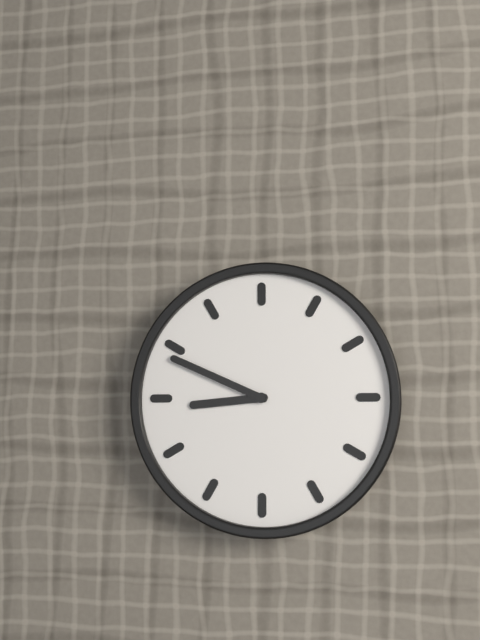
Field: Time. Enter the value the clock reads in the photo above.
8:49
